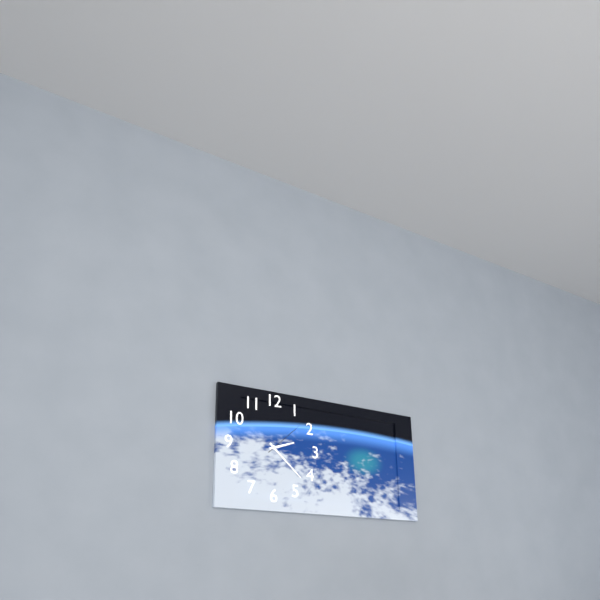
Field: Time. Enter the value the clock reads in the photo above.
2:22
